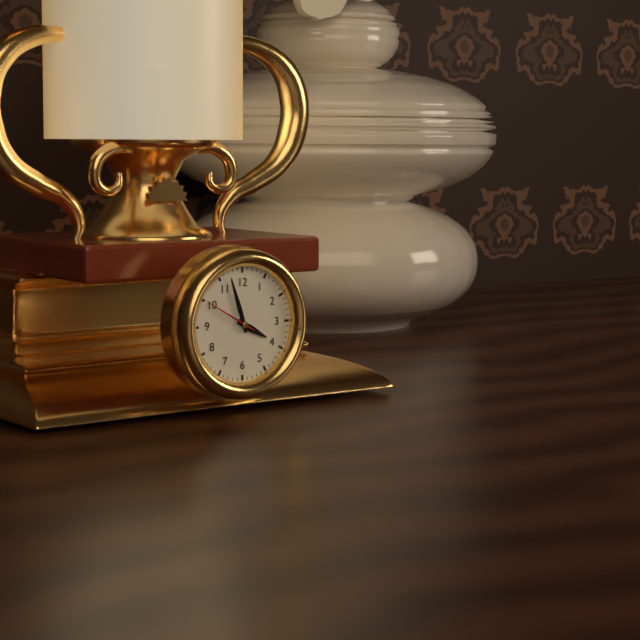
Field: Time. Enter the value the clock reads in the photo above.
3:57:50
